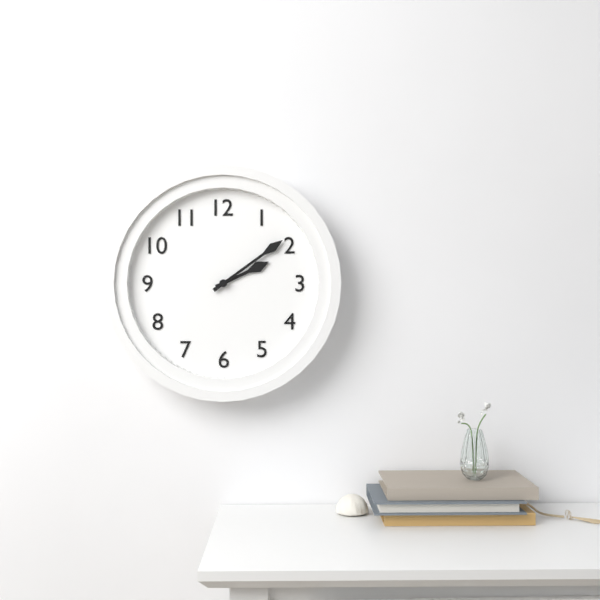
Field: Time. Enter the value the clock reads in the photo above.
2:09
